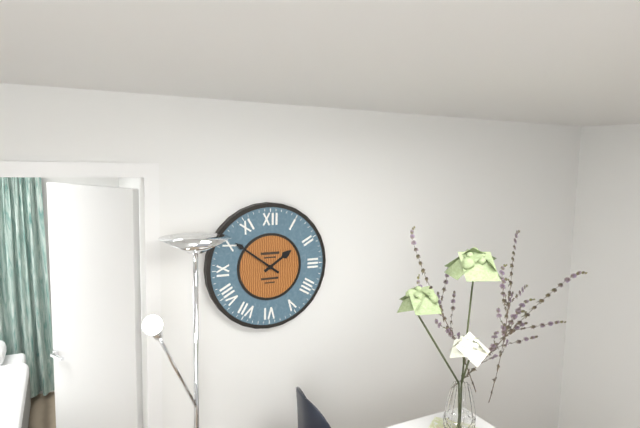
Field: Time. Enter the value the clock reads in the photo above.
1:51
